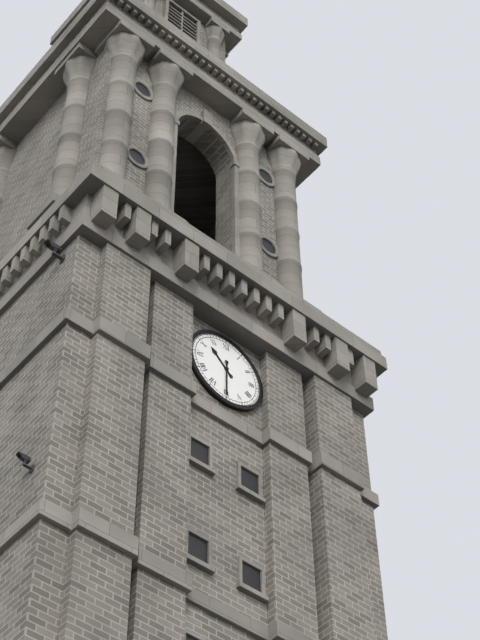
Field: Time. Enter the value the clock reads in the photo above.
10:30
